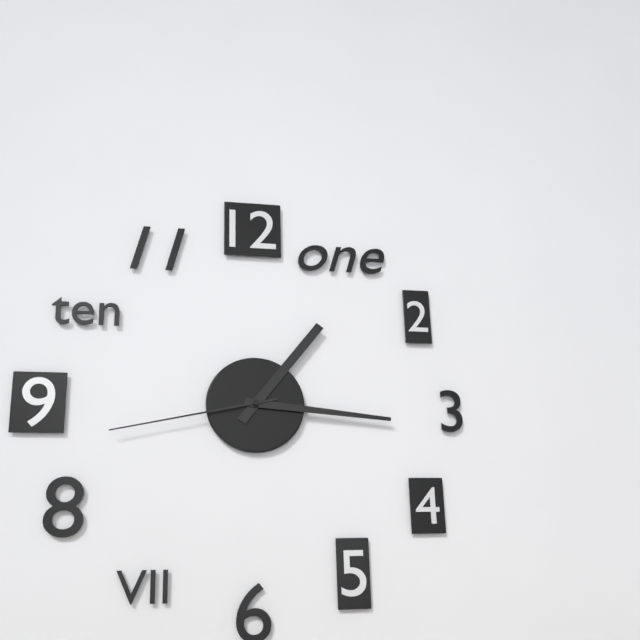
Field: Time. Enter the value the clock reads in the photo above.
1:16:43
